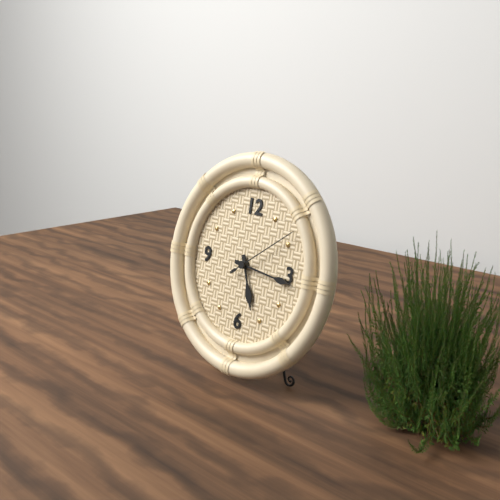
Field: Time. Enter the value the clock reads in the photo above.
5:16:09
